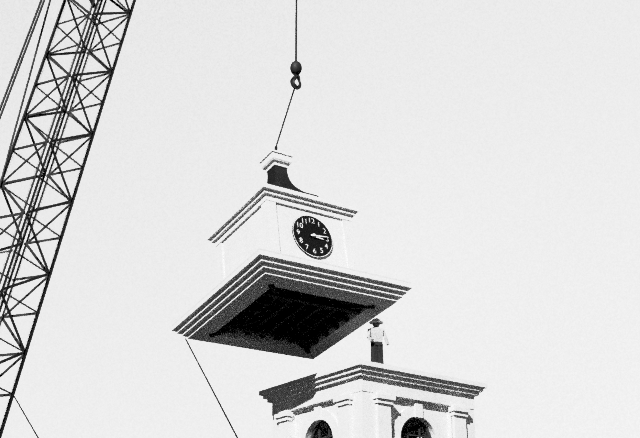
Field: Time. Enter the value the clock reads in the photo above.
3:14
